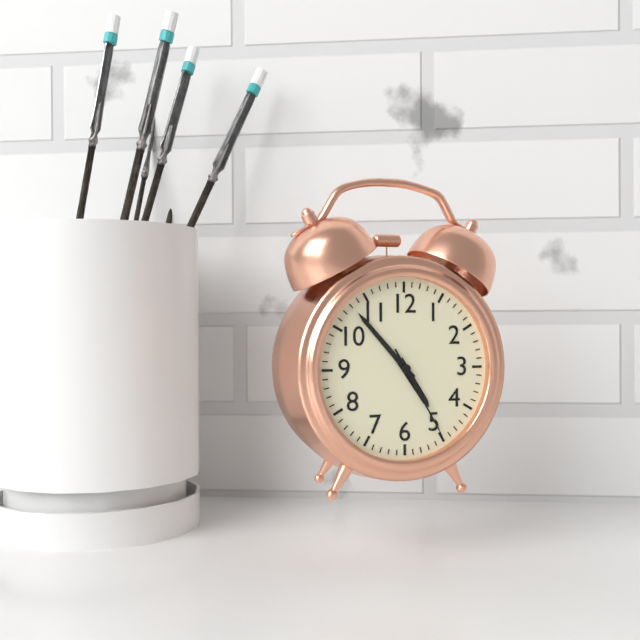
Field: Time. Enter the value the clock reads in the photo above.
4:53:25
